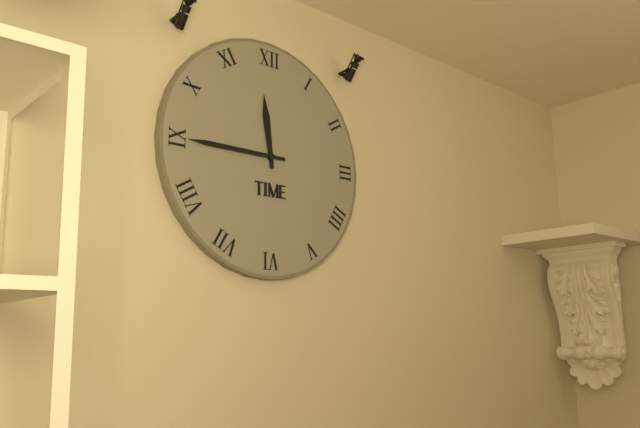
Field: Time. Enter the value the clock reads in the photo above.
11:45
